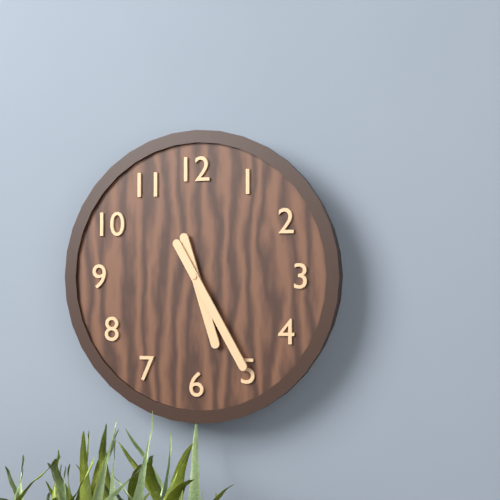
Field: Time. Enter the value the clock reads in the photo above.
5:25
